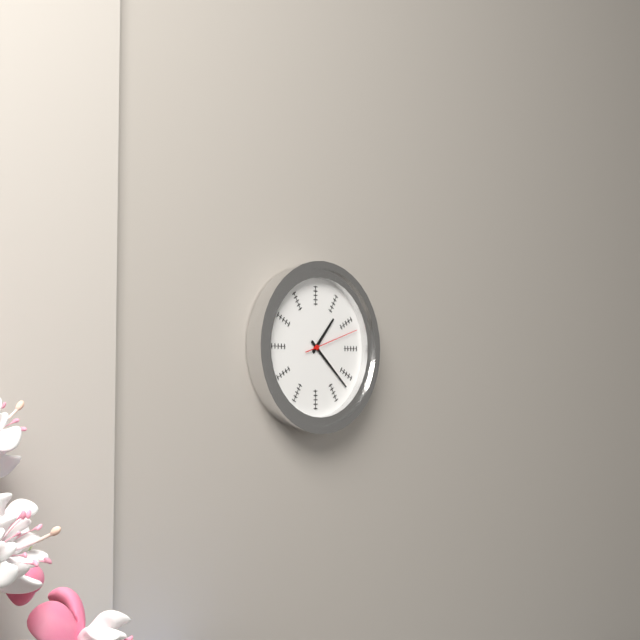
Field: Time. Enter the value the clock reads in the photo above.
1:22:12
